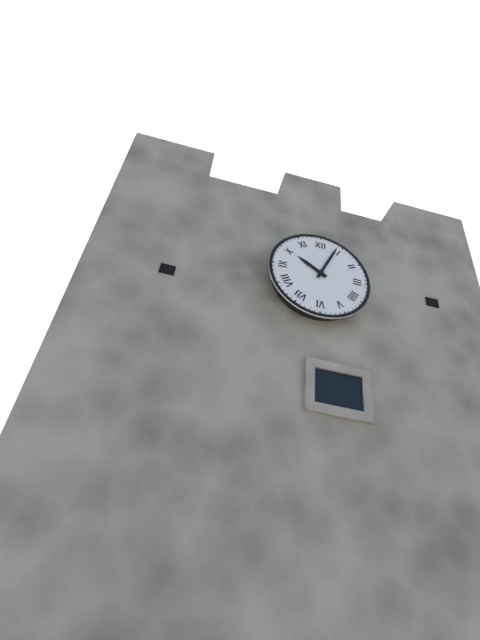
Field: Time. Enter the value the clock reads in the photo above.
10:04
